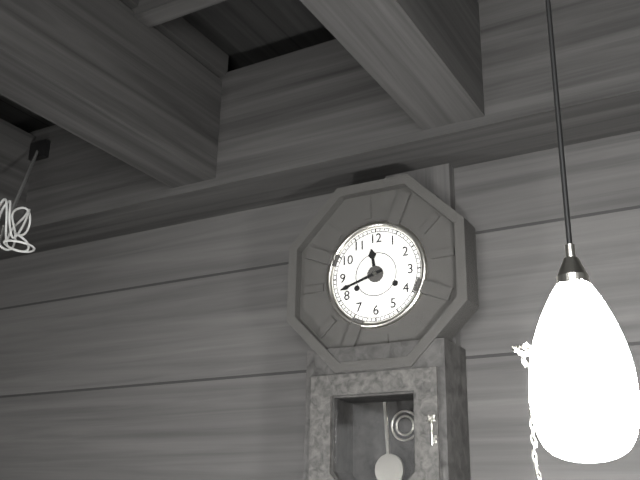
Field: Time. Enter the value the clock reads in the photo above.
11:42
